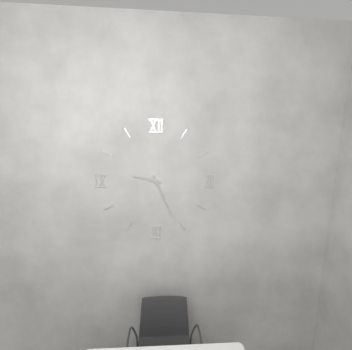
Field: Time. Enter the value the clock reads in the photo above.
9:26
